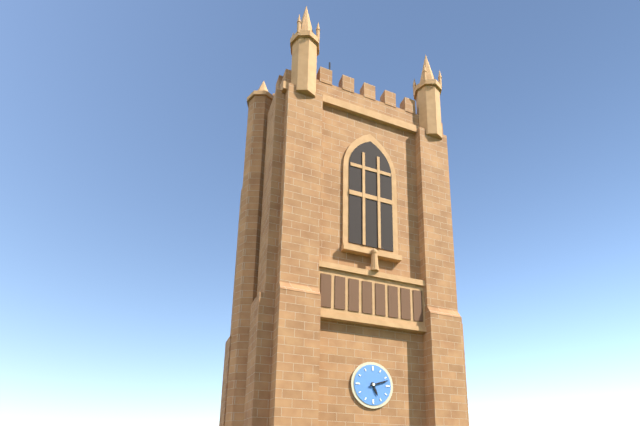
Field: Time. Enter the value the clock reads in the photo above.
5:12
